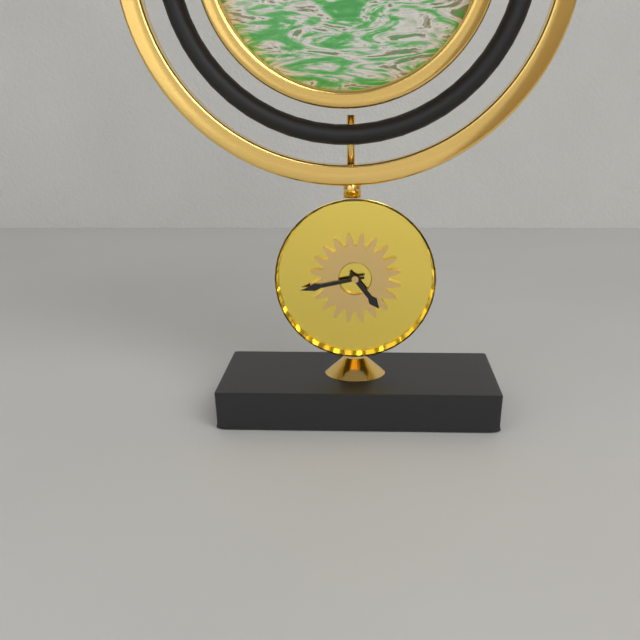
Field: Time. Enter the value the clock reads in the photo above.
4:43
